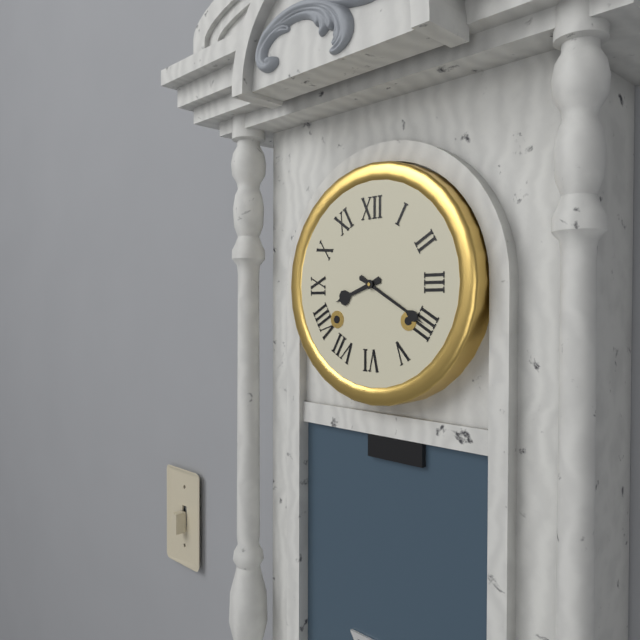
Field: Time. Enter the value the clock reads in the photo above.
8:20
